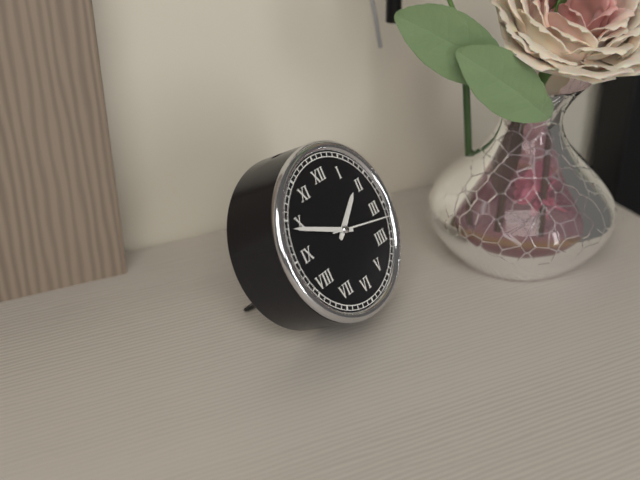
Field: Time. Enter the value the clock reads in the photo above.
1:49:17
